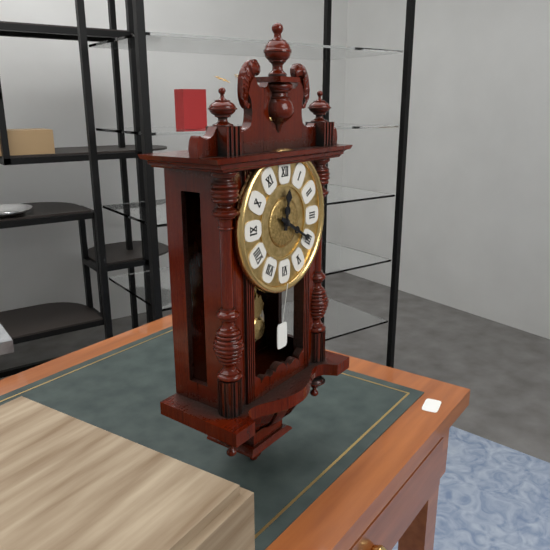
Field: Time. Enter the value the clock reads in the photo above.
12:20
